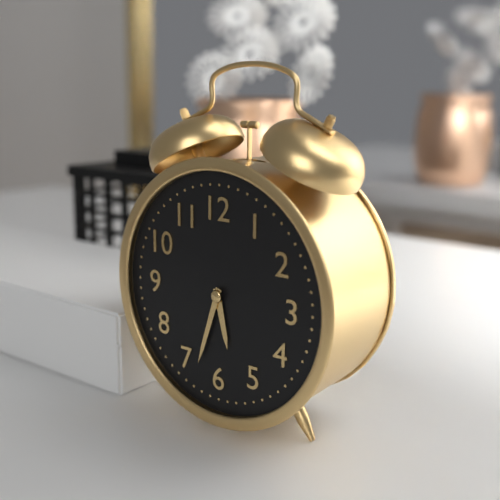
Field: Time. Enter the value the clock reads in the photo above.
5:33
